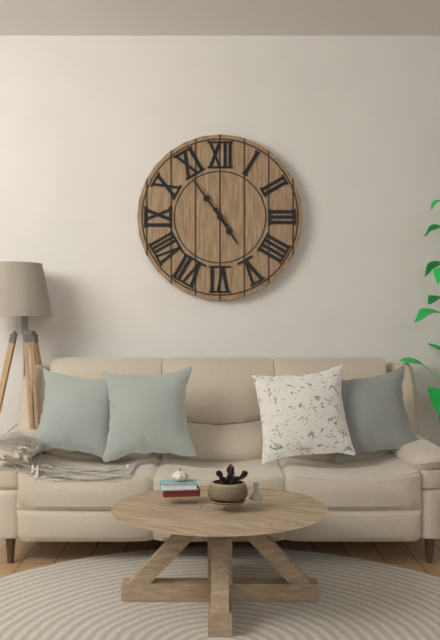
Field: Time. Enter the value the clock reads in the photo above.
4:54
